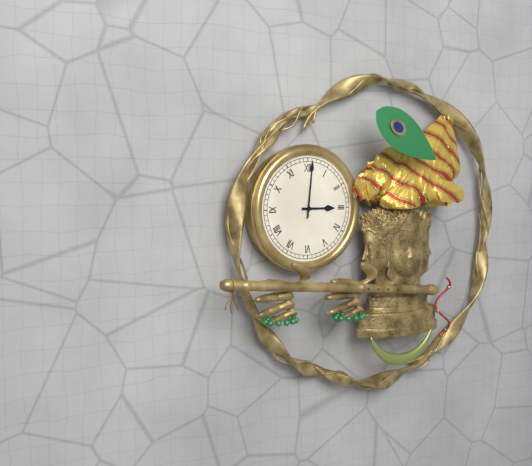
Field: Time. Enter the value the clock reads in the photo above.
3:01
